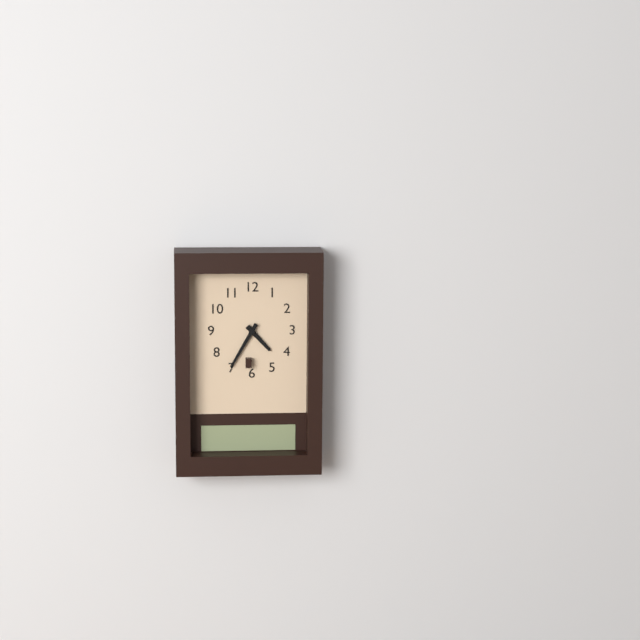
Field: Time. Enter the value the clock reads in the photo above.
4:35
